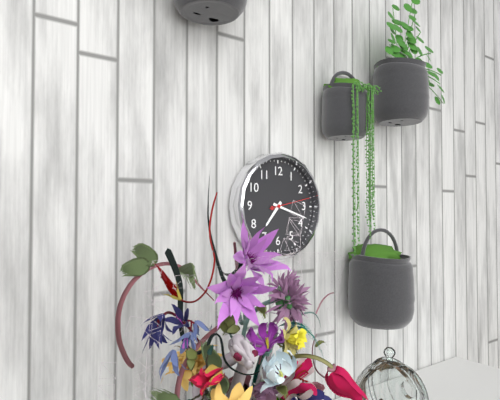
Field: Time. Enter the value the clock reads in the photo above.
7:18
